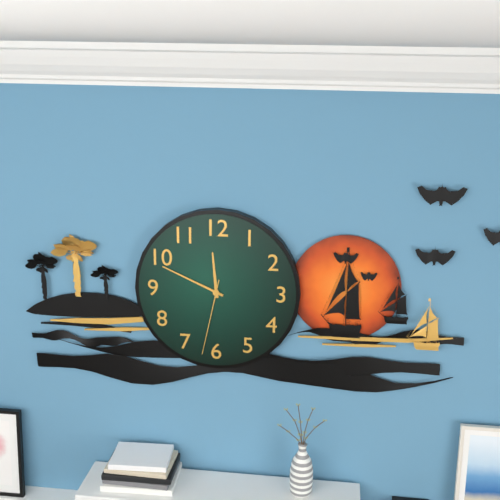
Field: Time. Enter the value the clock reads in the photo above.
11:49:32
